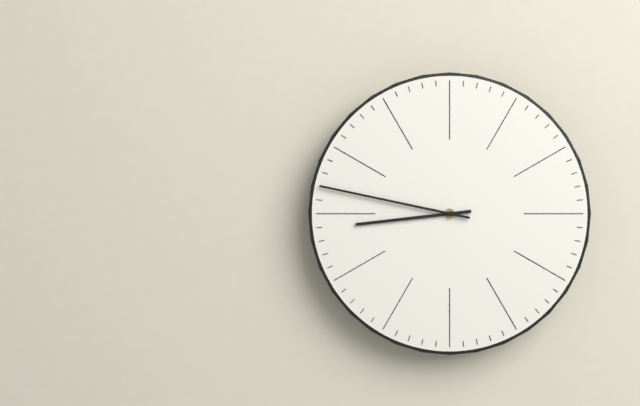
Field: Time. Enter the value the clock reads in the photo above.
8:47
